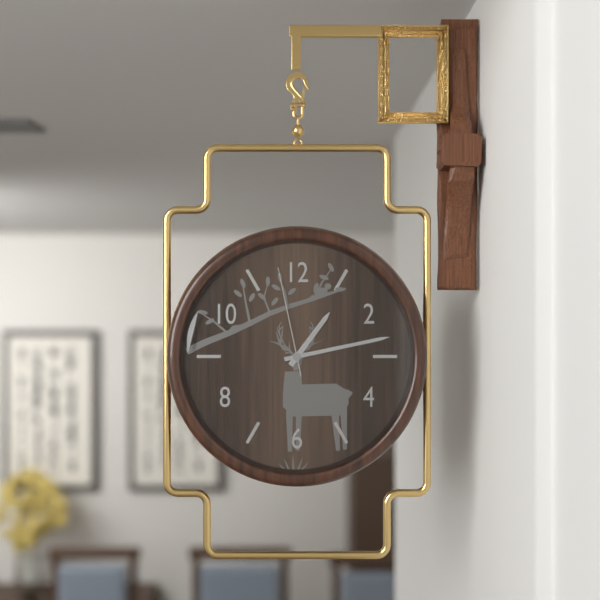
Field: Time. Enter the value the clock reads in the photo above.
1:13:58
